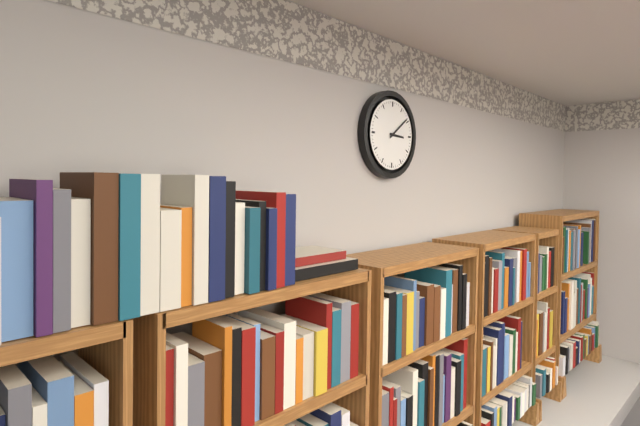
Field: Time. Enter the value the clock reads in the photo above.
3:09
